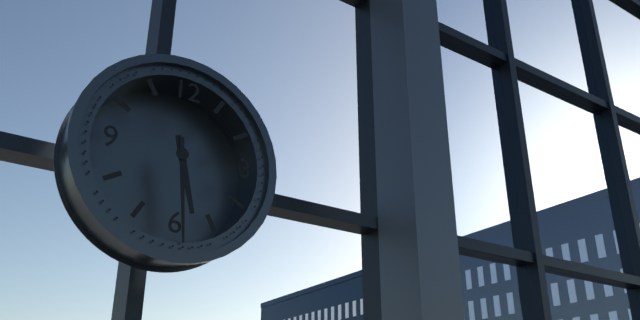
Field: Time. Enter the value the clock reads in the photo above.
5:29
